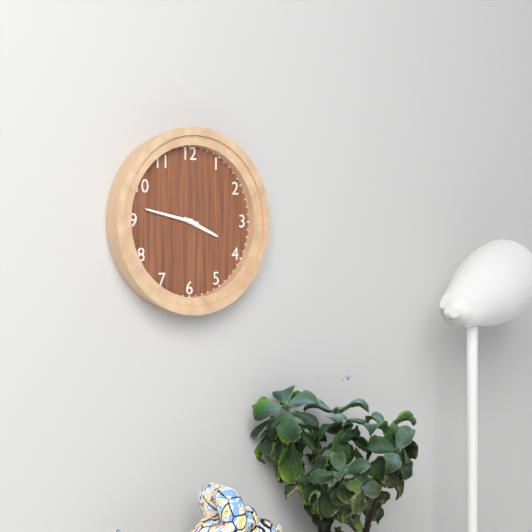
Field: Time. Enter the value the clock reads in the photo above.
3:47
